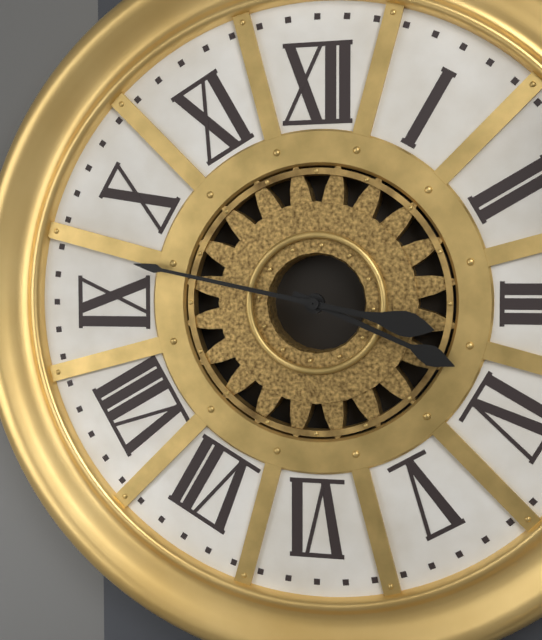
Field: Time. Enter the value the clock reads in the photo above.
3:47
